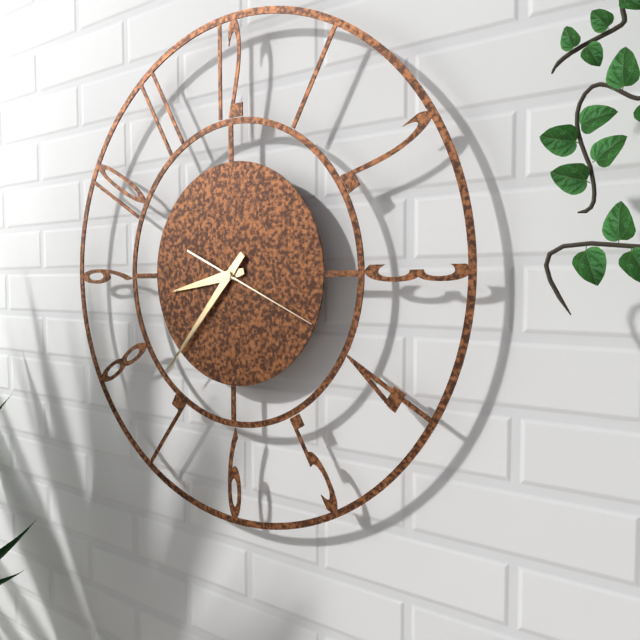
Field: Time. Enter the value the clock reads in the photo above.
8:37:19
